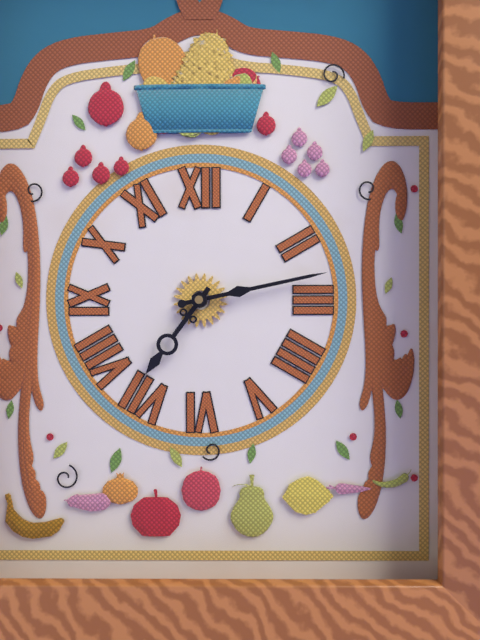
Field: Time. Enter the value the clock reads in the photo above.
7:13
